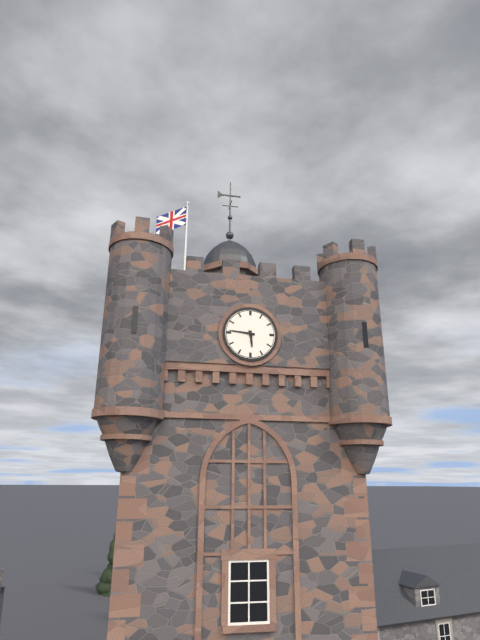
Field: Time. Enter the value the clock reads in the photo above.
5:46
